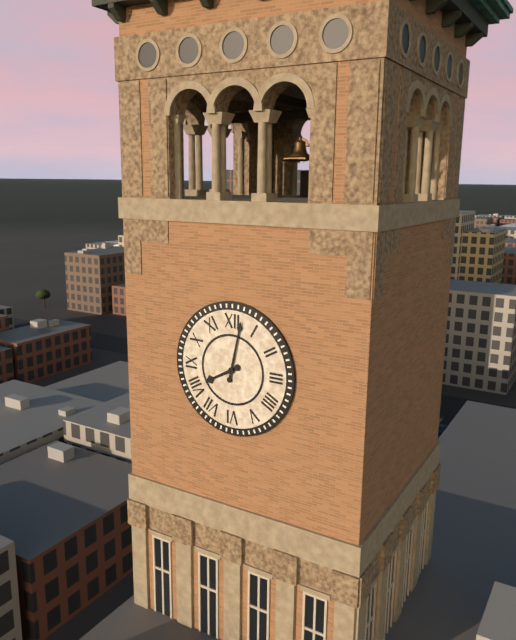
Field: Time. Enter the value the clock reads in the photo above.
8:02
